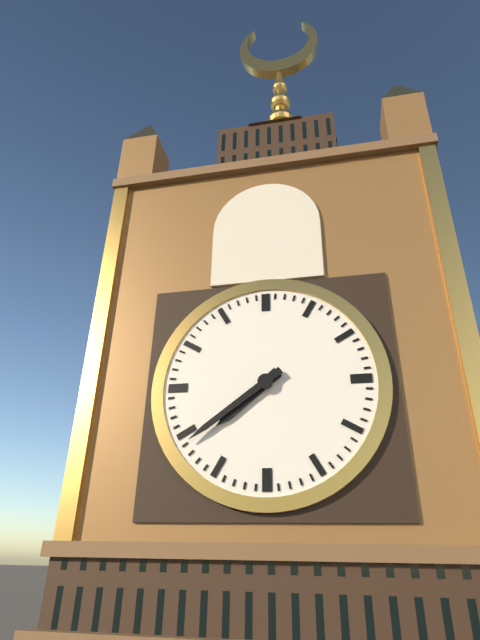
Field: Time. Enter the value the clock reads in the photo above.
7:39
